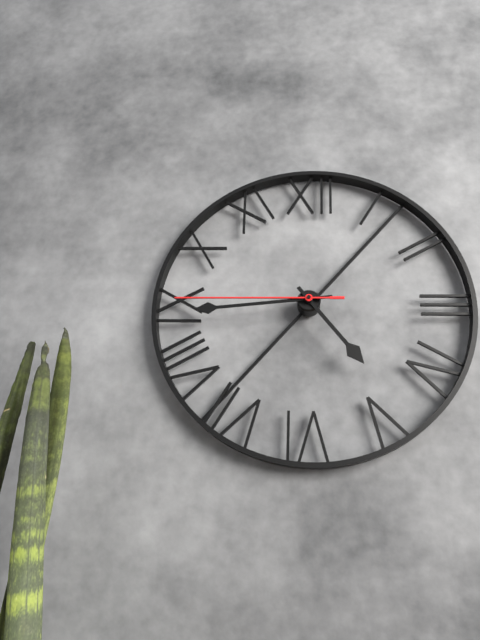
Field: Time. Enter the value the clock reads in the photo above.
4:44:45
